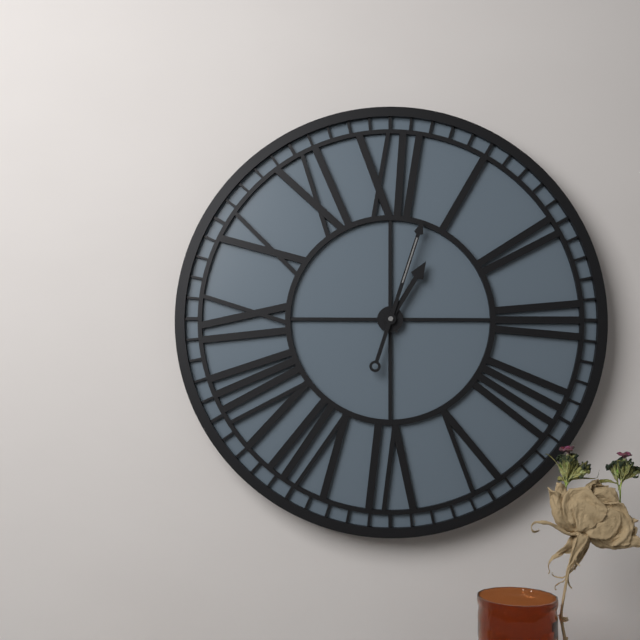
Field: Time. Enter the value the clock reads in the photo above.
1:03
